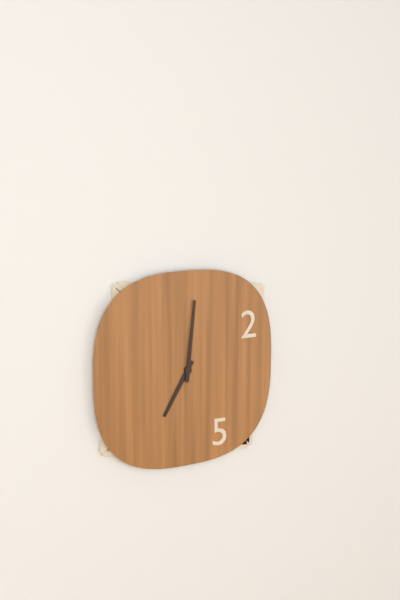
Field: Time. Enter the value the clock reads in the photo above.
7:01
